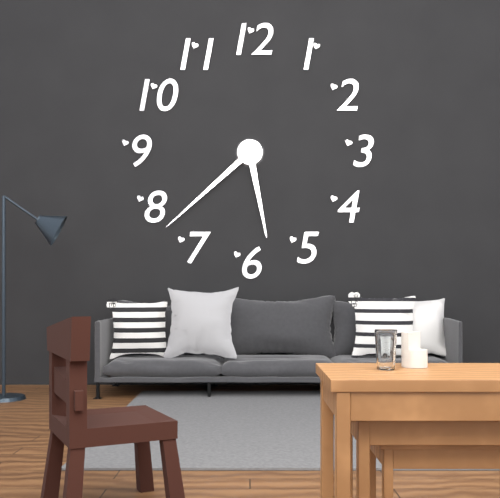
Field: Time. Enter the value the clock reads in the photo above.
5:38
